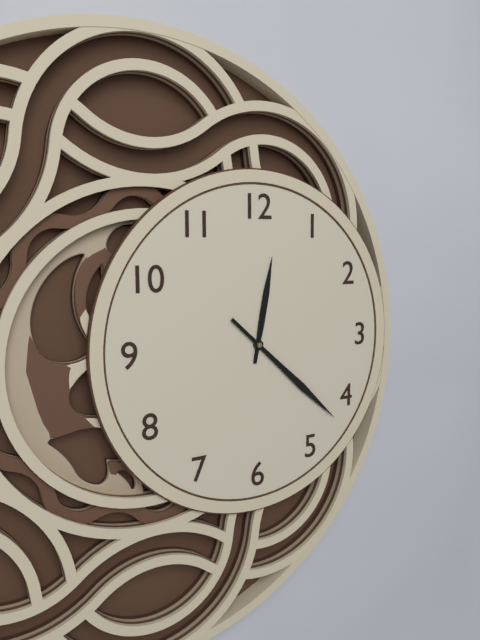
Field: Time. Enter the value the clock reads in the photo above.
12:22
